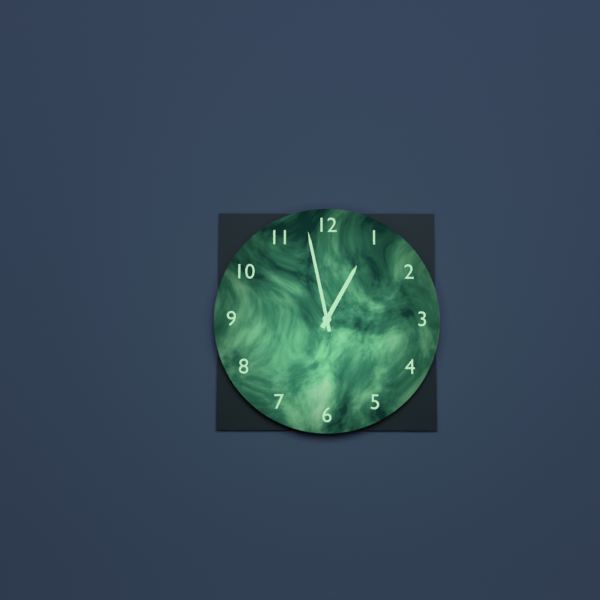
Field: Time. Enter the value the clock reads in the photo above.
12:58
